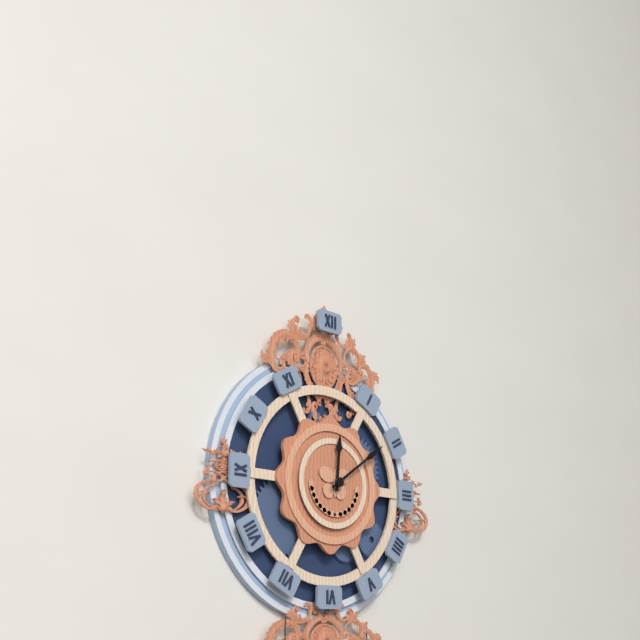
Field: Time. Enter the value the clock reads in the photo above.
12:09
